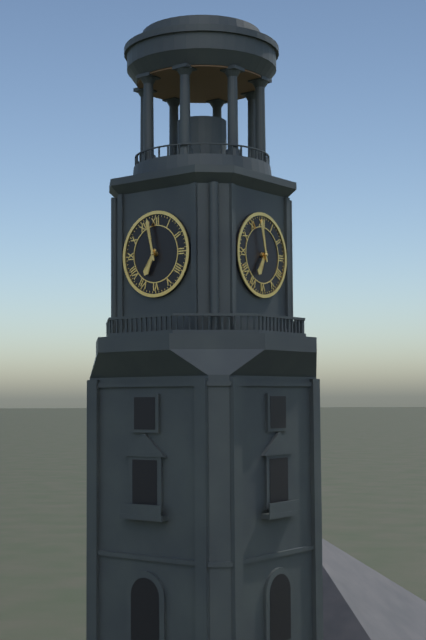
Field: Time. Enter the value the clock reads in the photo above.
6:58
